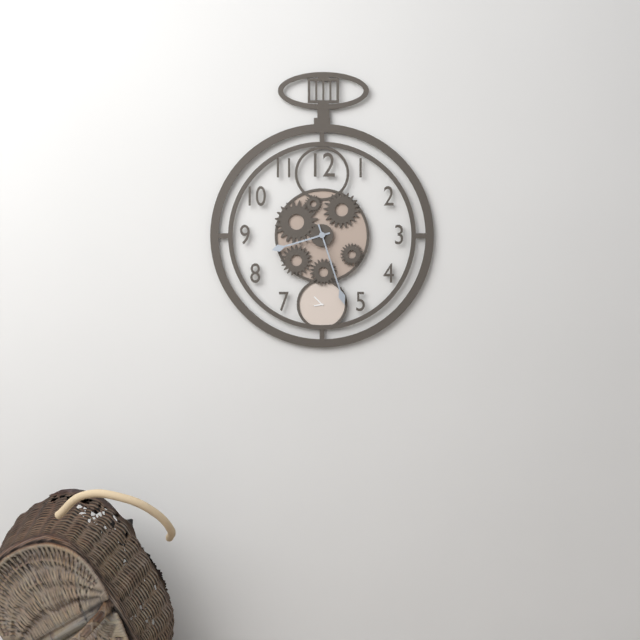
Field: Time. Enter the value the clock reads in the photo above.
8:27
